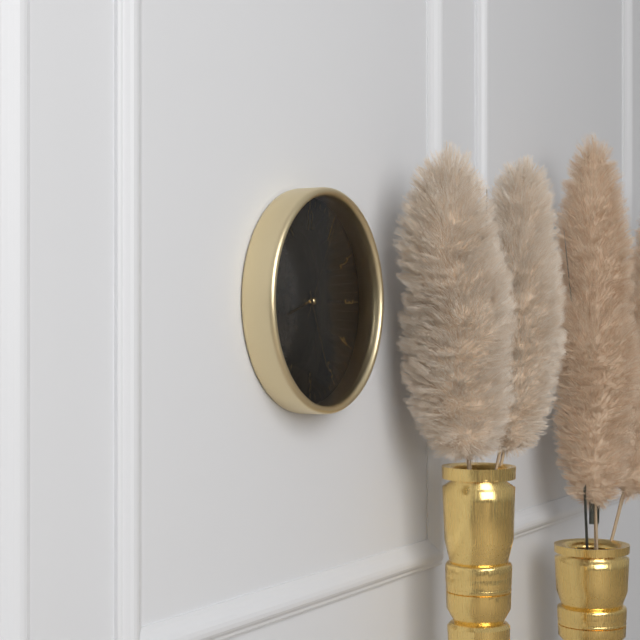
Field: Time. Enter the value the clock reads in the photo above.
8:26:05
